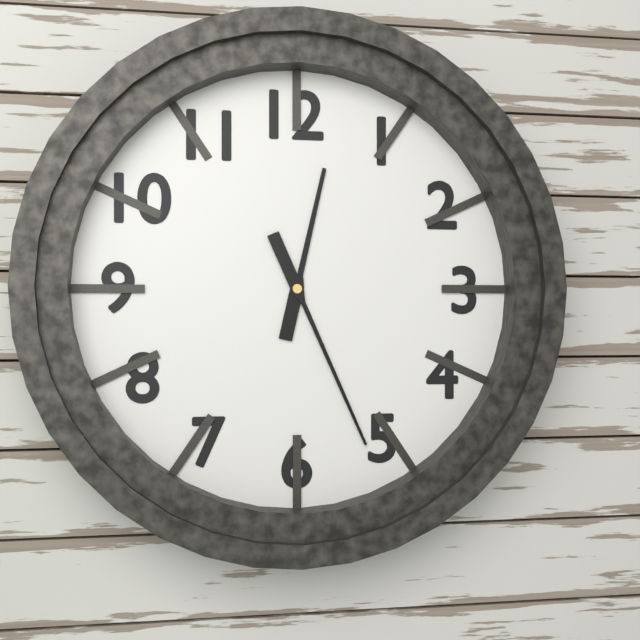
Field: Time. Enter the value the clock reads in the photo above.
12:26
